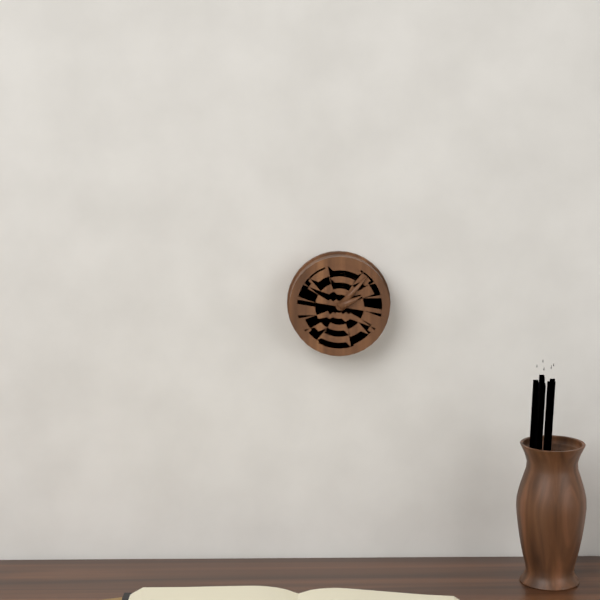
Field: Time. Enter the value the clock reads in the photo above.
2:07
